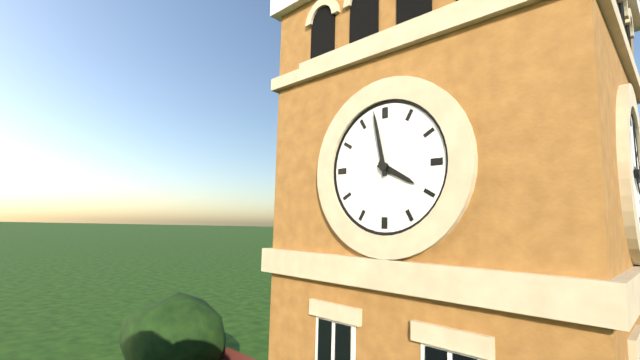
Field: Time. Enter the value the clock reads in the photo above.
3:58
